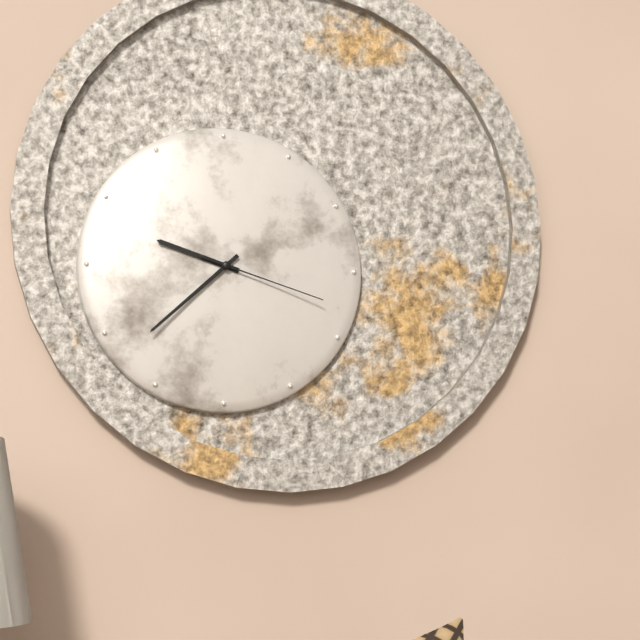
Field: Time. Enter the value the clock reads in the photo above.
9:38:18
